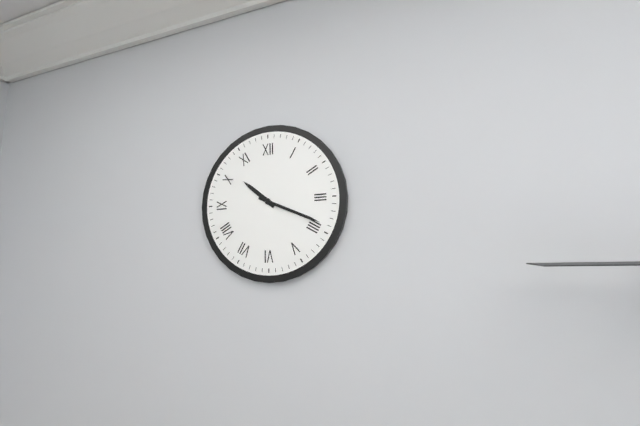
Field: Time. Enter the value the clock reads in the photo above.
10:19
